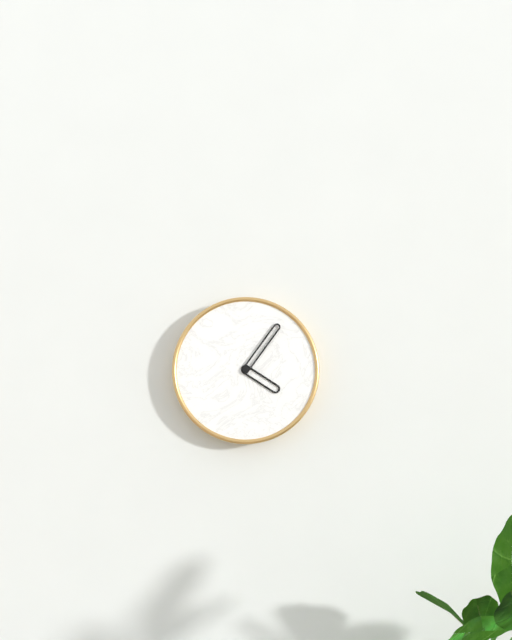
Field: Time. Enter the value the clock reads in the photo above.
4:06
